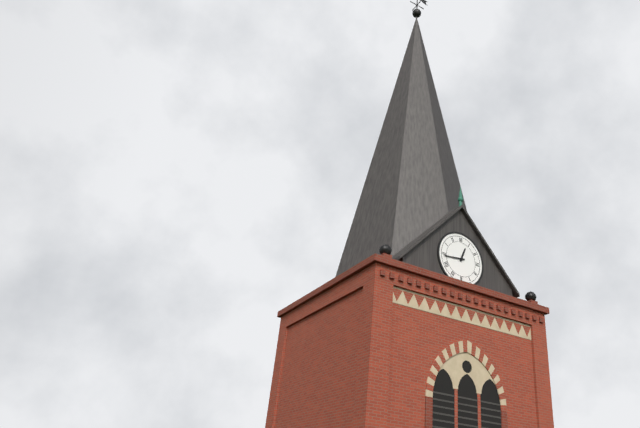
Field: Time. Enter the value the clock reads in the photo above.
12:44
